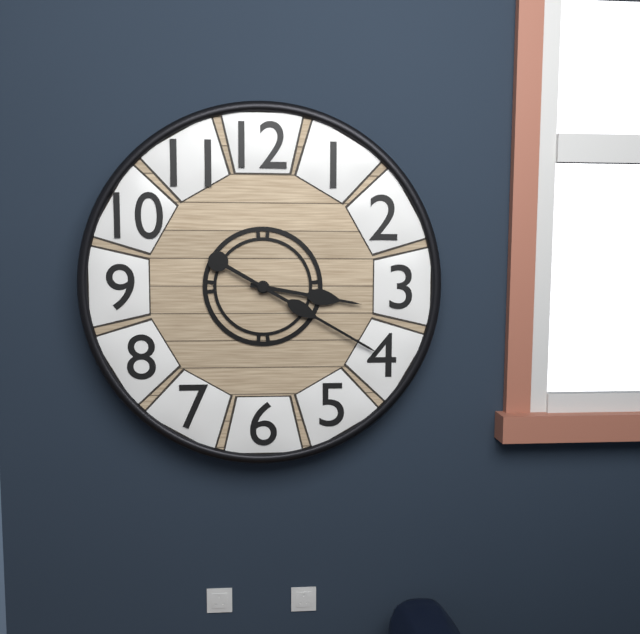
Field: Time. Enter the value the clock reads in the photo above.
3:20
